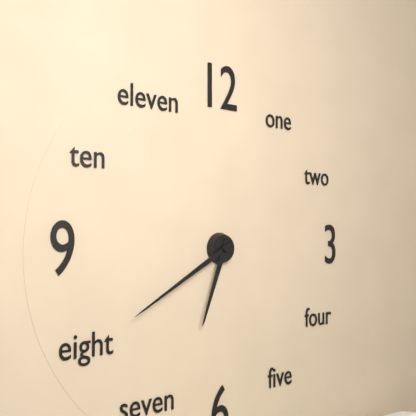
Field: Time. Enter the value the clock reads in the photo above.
6:40
